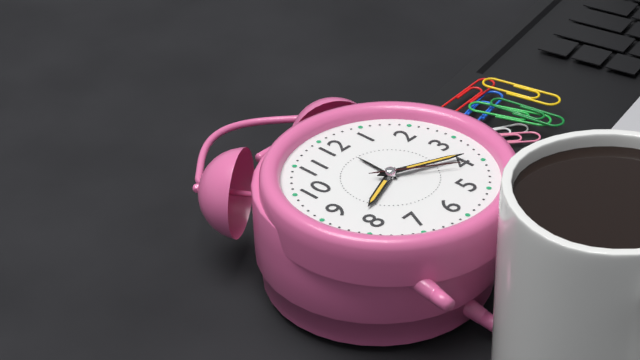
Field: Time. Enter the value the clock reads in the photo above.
8:19:21
